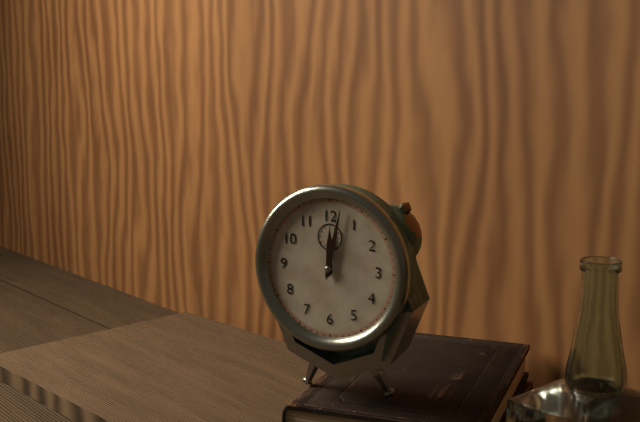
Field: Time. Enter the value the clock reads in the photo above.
12:02
